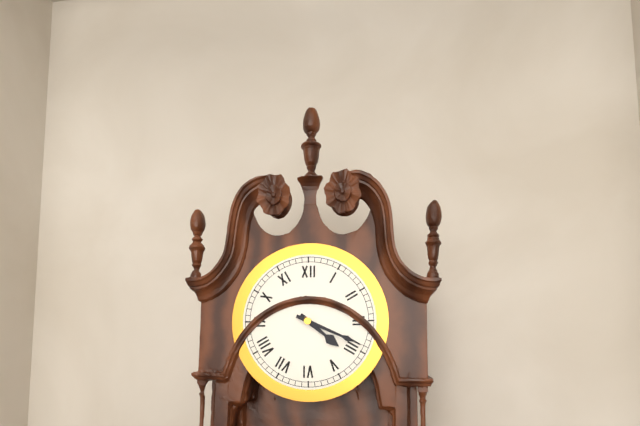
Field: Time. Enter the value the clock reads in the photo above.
4:19
